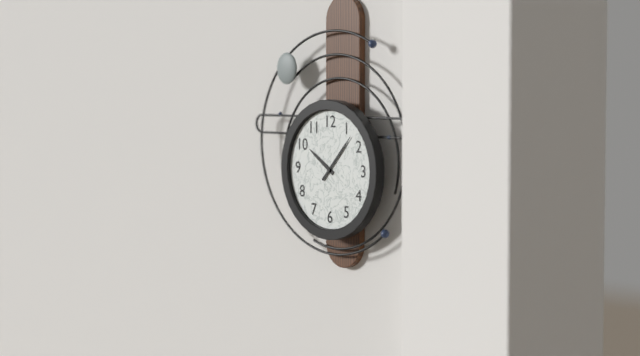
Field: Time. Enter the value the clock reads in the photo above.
10:07
